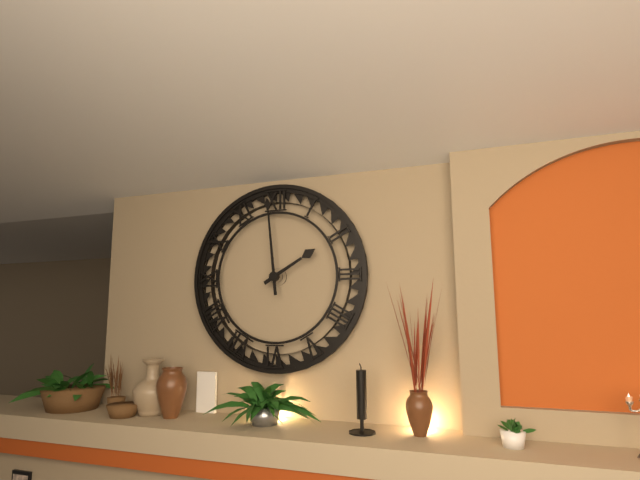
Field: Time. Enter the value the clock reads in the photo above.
1:59
